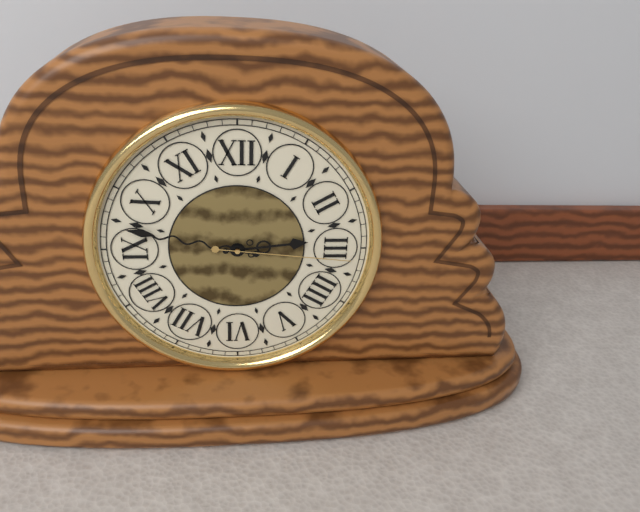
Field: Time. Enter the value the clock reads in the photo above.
2:47:16
